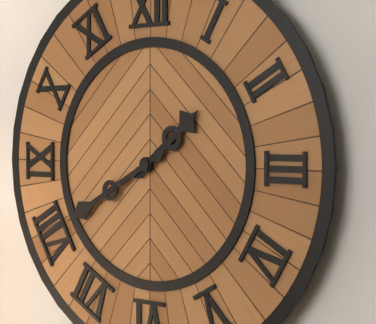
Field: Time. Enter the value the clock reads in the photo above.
1:40
